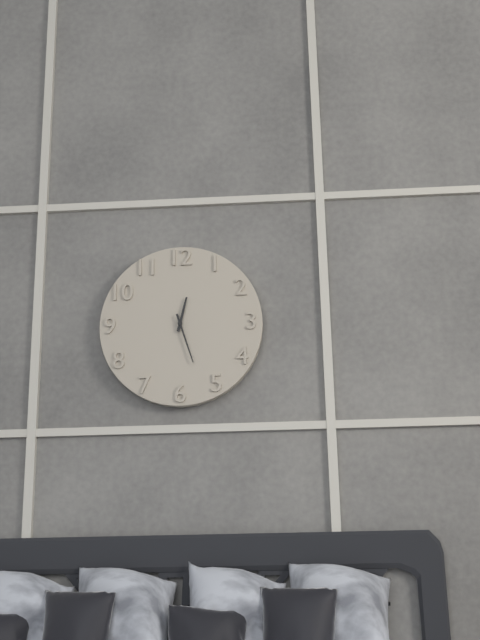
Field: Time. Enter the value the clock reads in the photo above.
12:27
